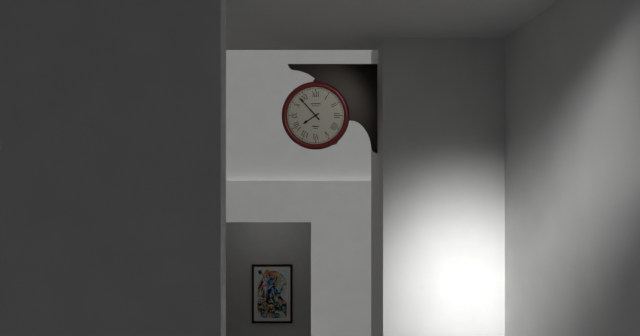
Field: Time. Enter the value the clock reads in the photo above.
7:53
